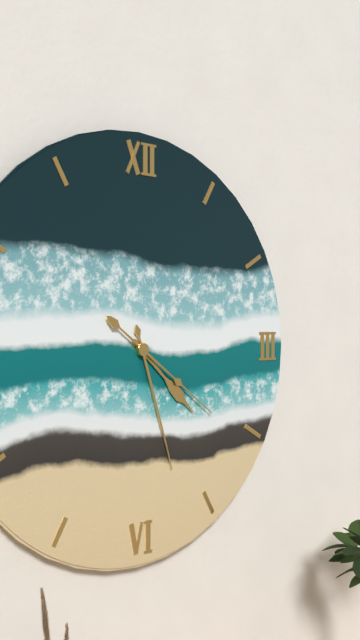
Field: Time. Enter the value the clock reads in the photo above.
4:27:21
